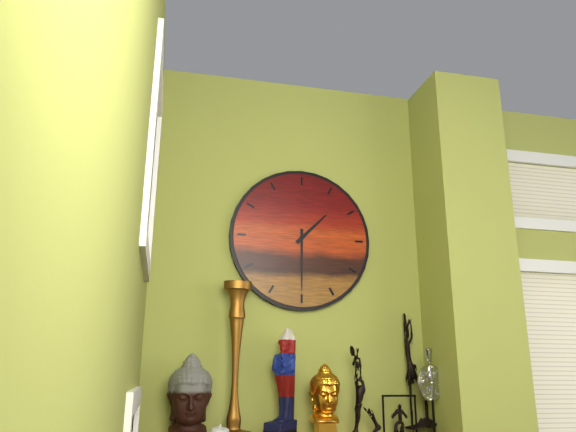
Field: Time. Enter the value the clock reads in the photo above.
1:30
